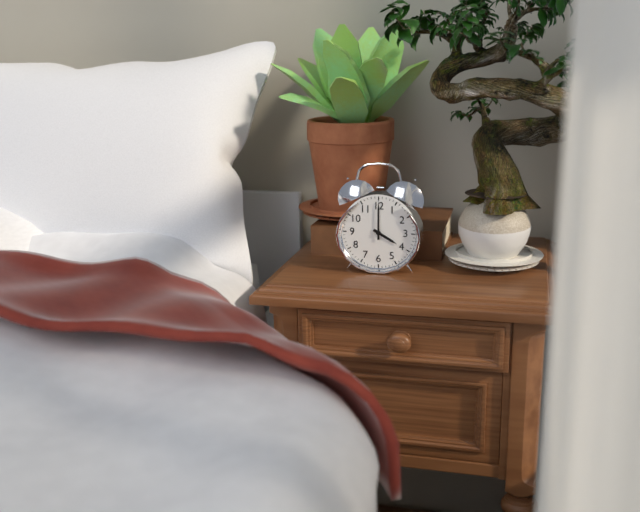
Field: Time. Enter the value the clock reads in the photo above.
4:00
